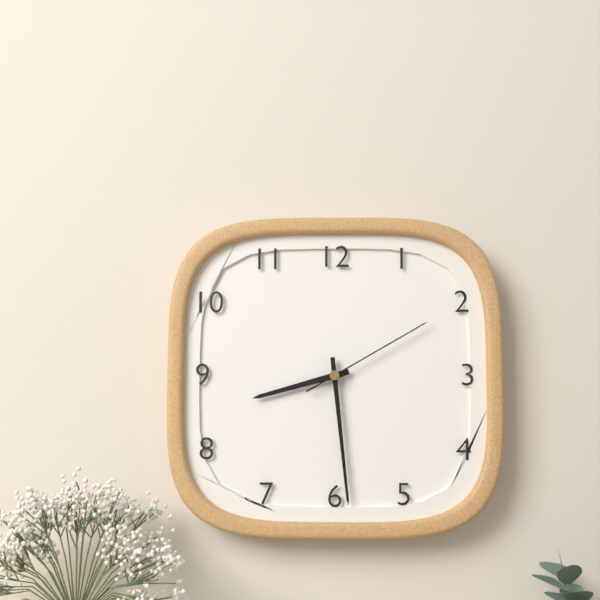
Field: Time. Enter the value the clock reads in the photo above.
8:29:10
